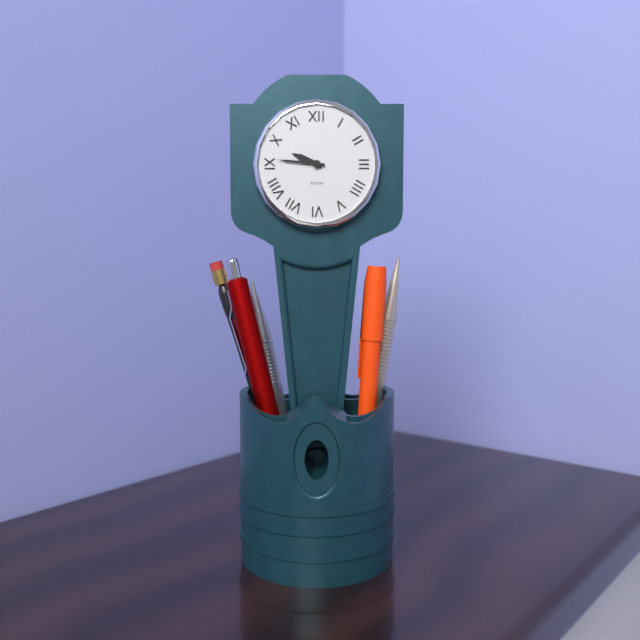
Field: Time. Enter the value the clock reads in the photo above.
9:46
